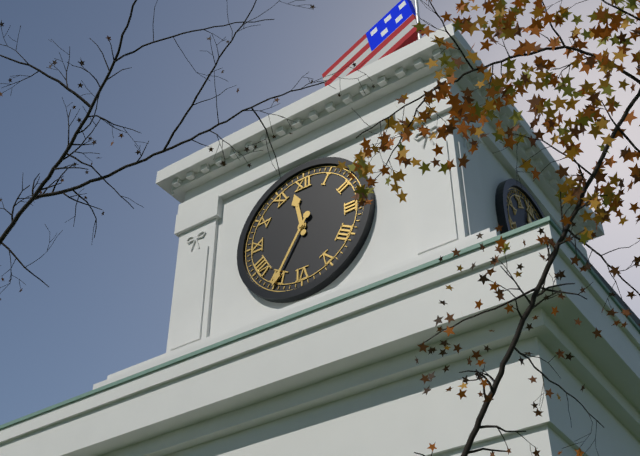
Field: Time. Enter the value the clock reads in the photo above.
11:35
